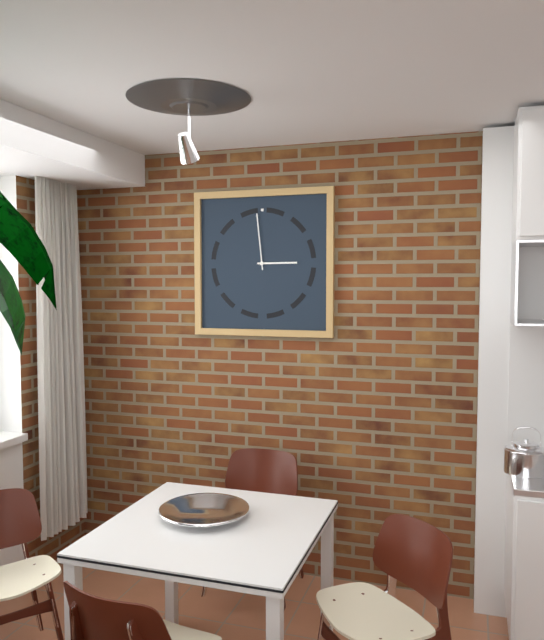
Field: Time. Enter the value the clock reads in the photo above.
2:59
